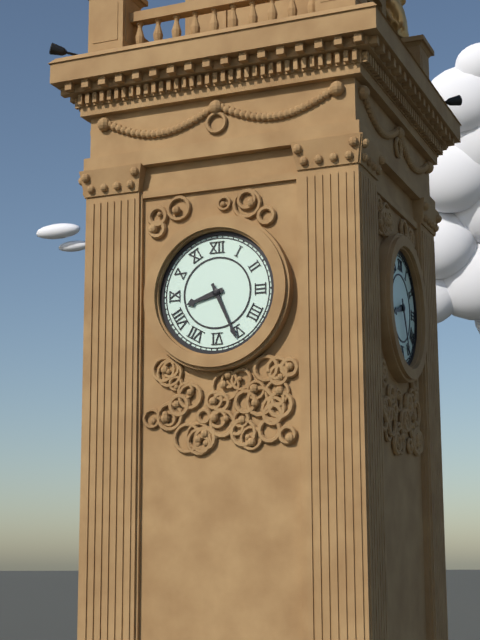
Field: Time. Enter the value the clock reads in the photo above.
8:26
